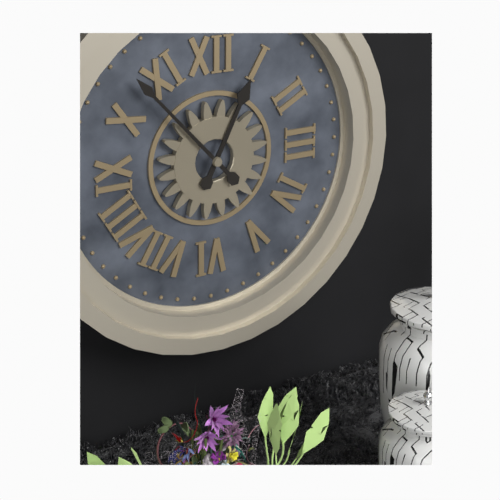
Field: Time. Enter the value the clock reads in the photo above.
12:53
